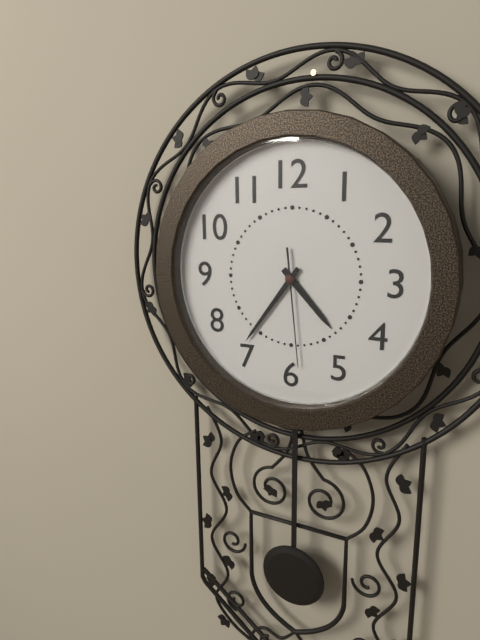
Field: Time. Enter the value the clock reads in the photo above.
4:36:29
